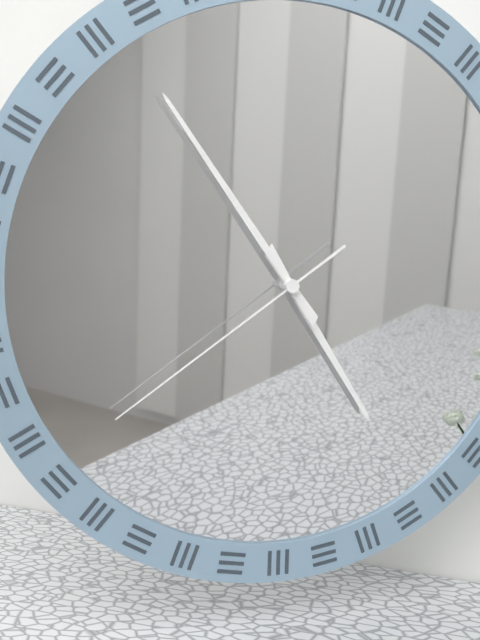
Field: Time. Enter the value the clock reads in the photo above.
4:54:39
